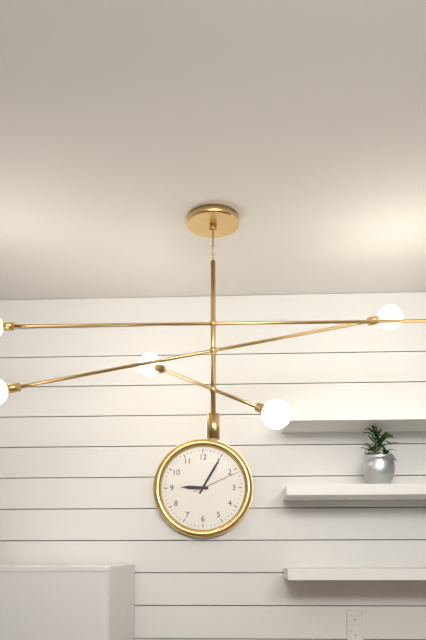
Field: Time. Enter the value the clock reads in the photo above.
9:05
